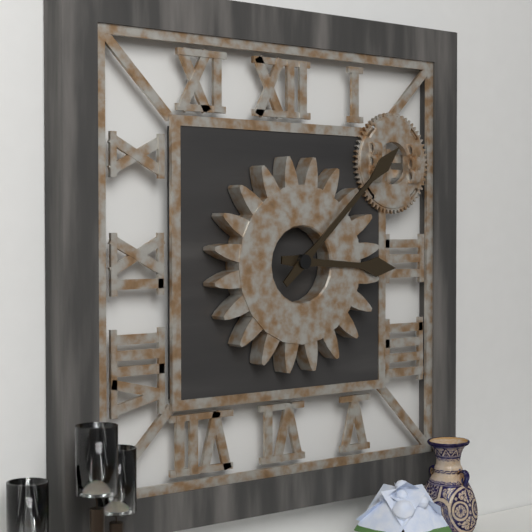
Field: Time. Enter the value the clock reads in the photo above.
3:08
